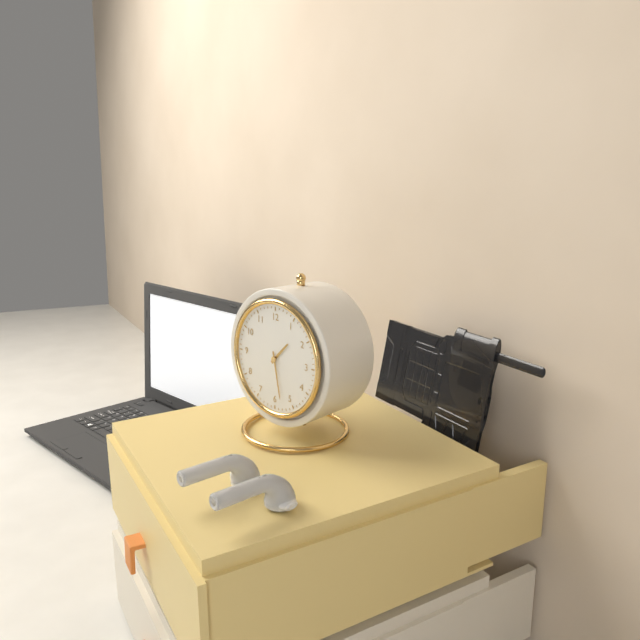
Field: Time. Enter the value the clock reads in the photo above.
1:28
